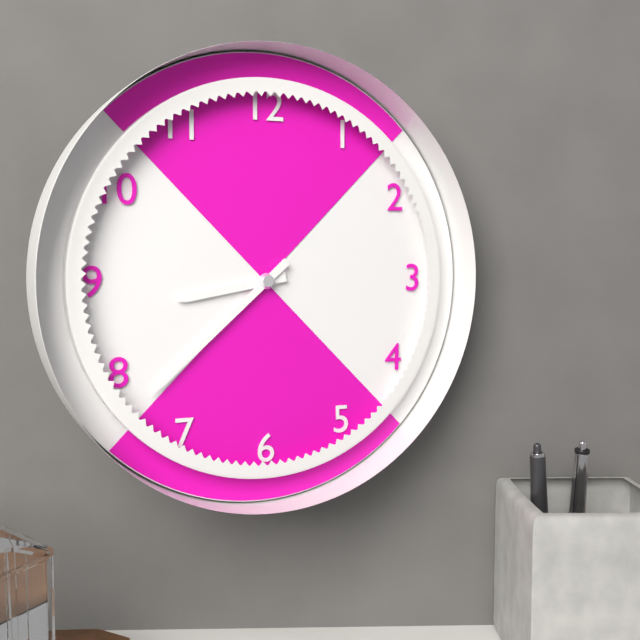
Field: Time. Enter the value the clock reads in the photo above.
8:38
